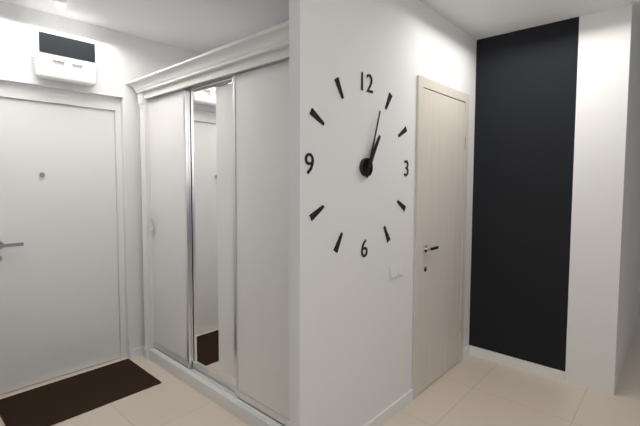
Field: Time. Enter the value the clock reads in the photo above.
1:03
